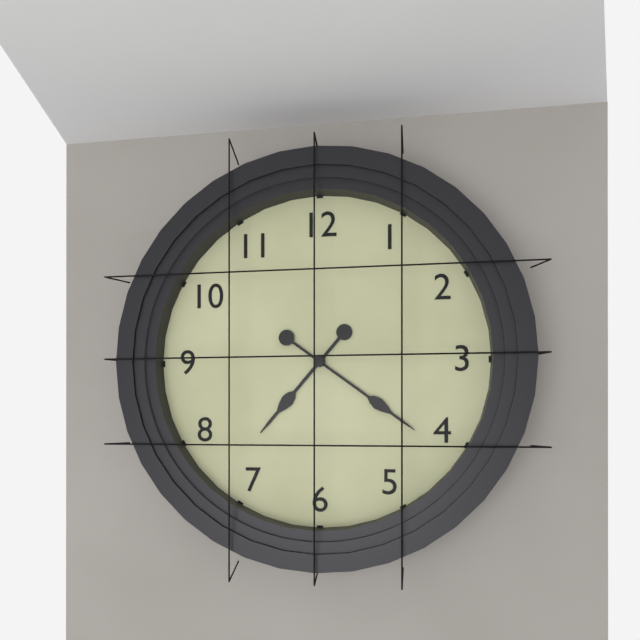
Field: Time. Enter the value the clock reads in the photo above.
7:21
